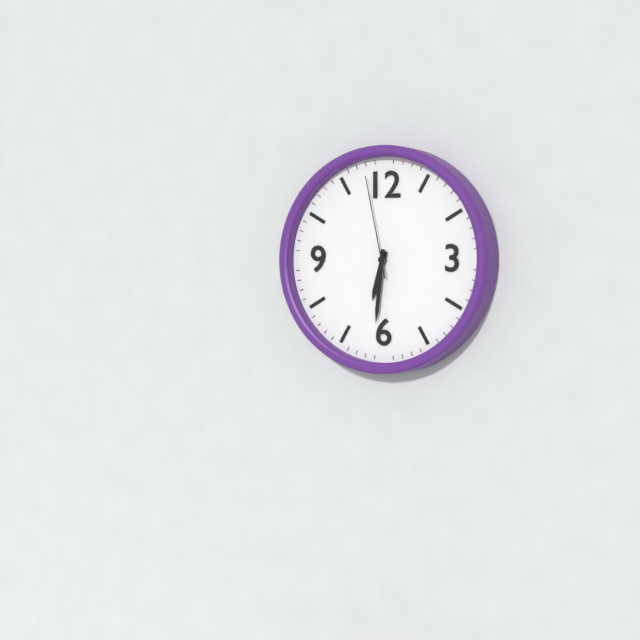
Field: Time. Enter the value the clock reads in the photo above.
6:31:58
